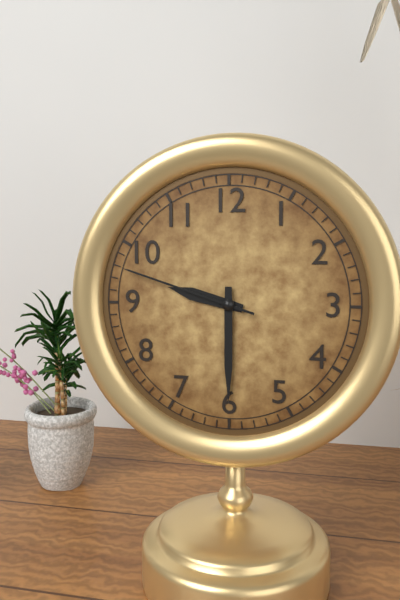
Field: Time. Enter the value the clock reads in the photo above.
9:30:48
